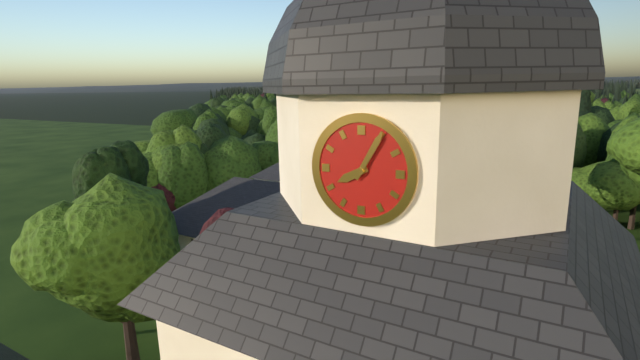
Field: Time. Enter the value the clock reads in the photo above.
8:05
